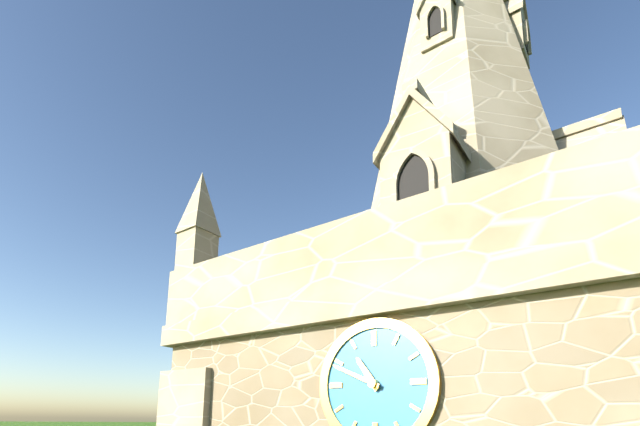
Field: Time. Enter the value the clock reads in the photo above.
10:49
